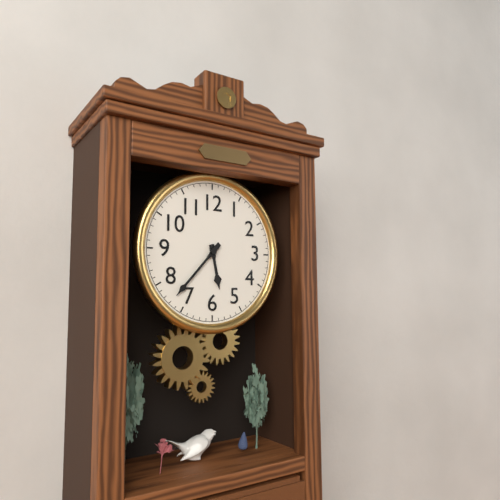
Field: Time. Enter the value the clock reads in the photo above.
5:37
